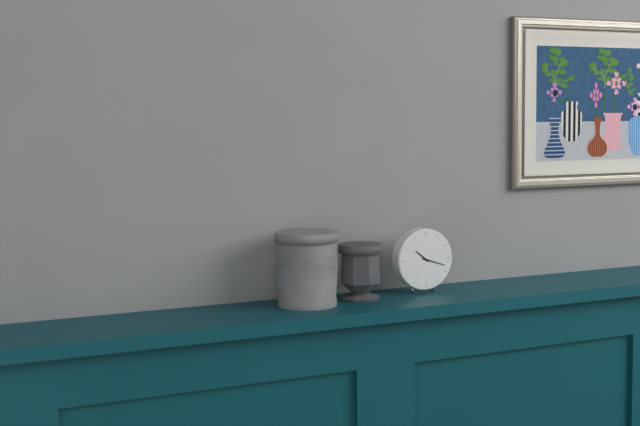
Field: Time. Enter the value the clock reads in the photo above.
10:18
